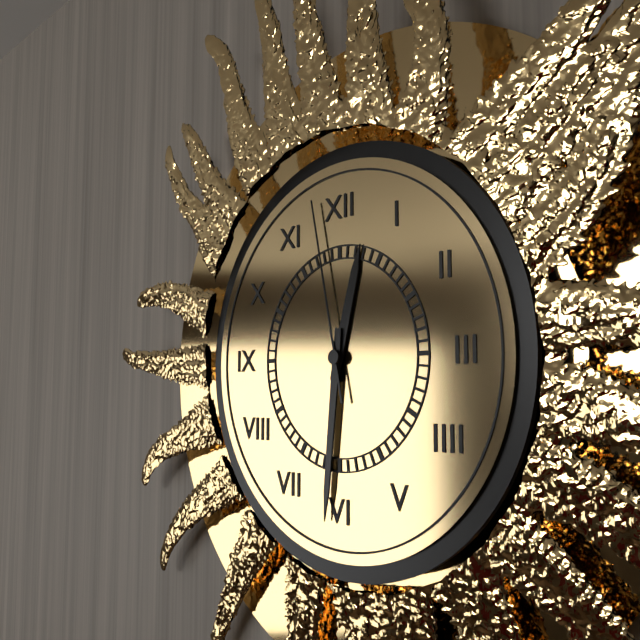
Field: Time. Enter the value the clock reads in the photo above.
12:31:58
